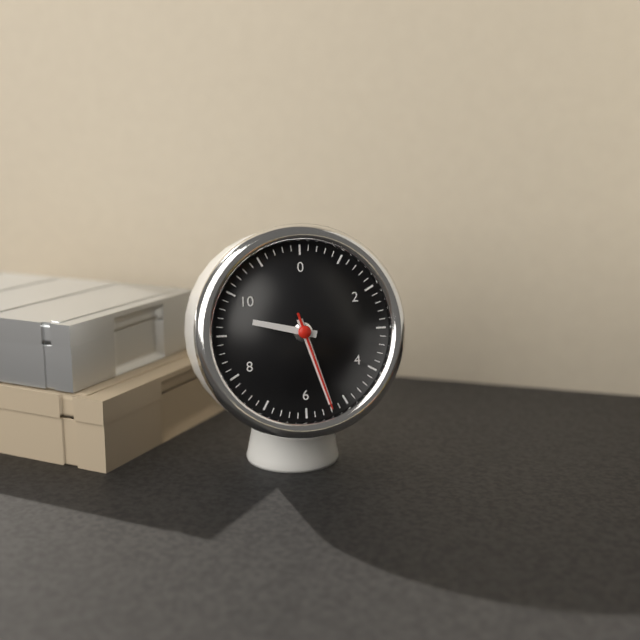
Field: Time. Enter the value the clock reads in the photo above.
9:27:27
